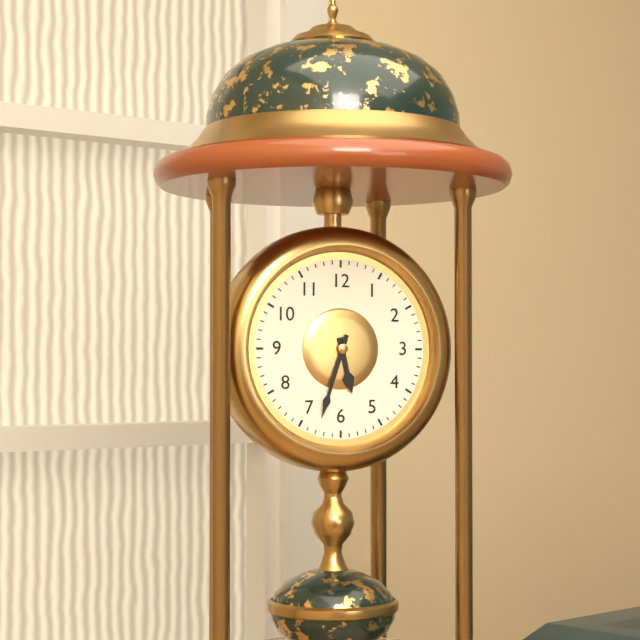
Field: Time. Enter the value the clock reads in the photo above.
5:33
